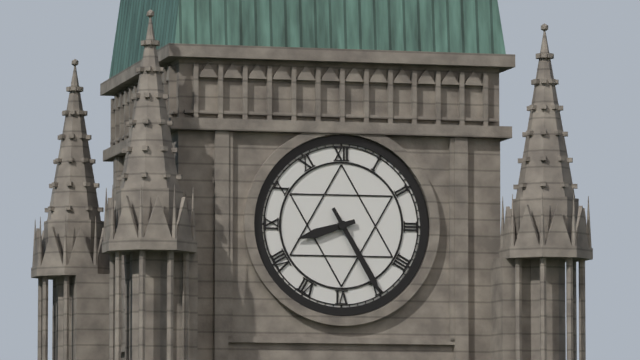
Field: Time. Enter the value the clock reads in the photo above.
8:25
